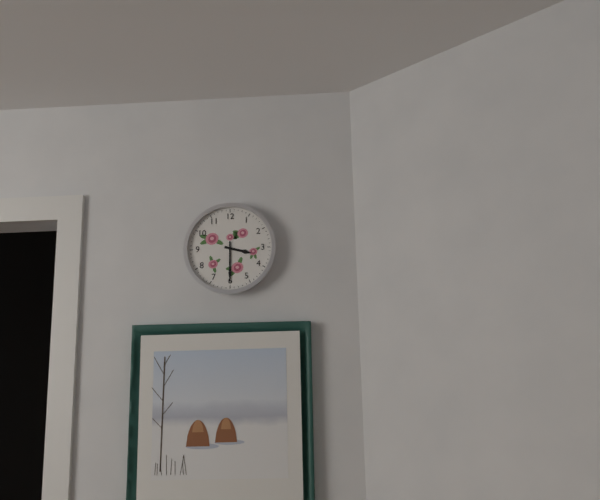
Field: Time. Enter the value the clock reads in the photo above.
3:30
